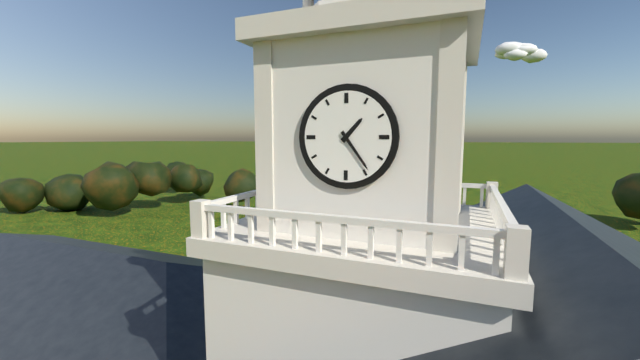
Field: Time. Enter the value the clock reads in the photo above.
1:24
